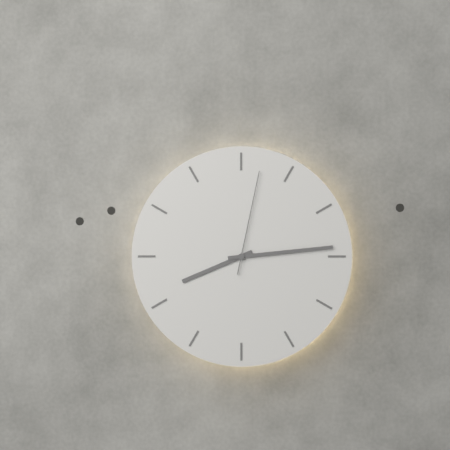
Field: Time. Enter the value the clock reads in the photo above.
8:14:02
